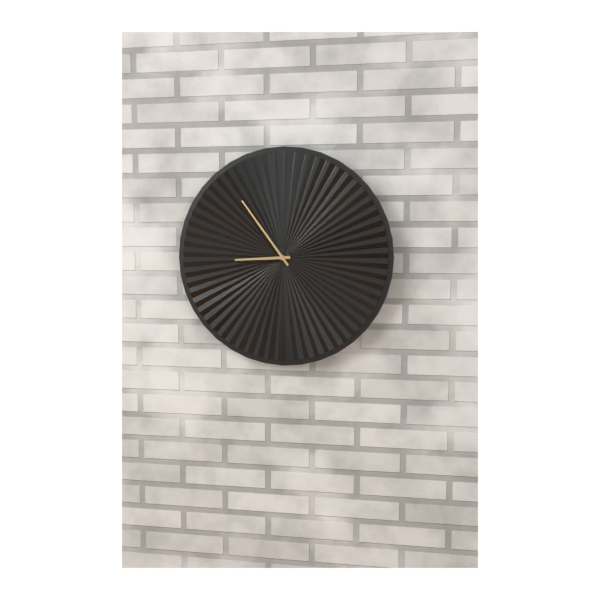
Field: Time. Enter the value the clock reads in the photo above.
8:54
